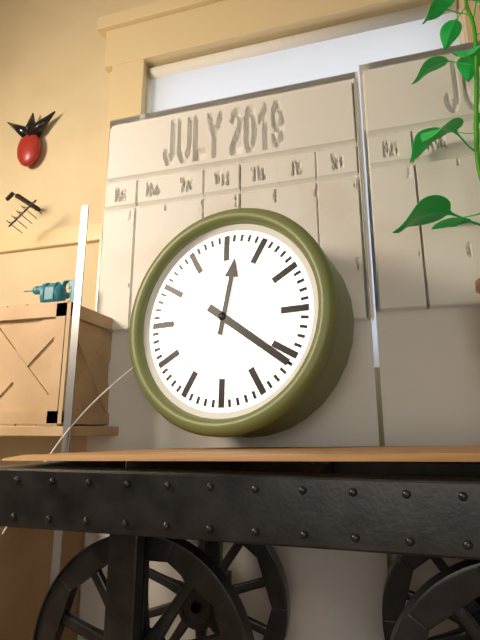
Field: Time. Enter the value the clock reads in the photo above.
12:21
